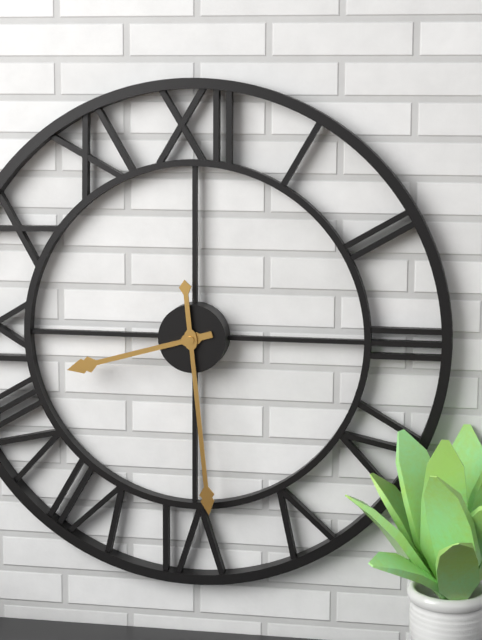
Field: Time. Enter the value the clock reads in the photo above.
8:29
